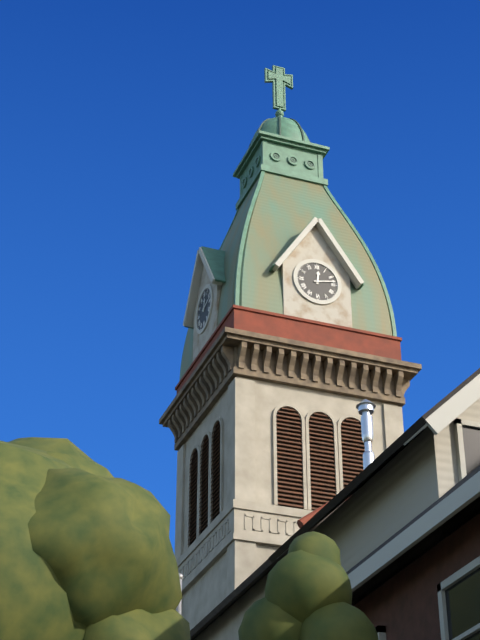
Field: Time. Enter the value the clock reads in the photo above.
12:13
